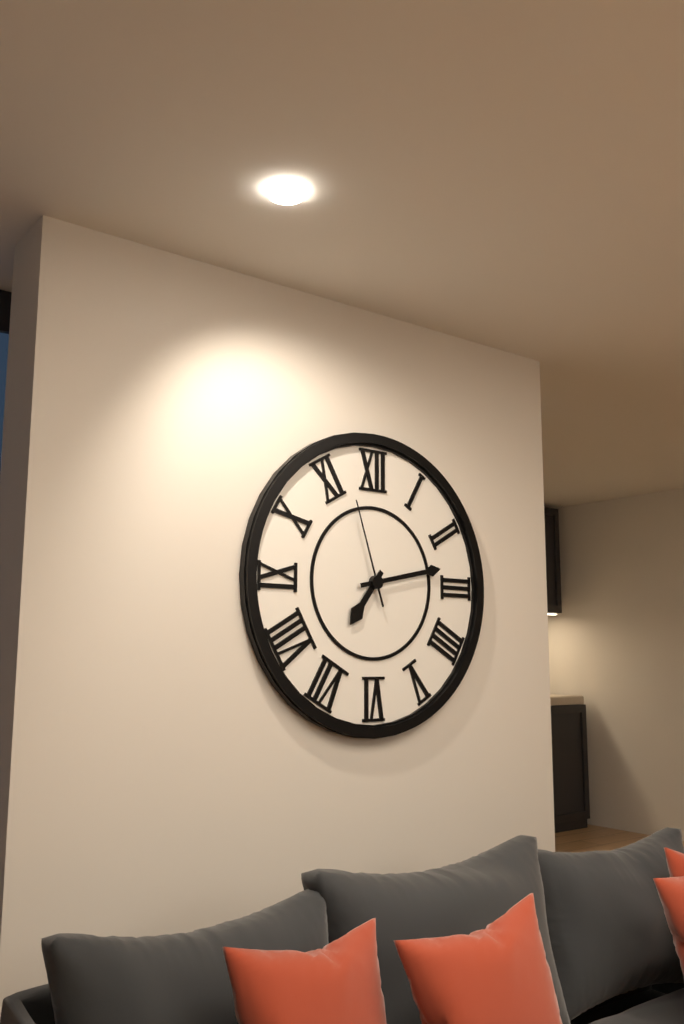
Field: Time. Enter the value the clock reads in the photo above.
7:13:57
